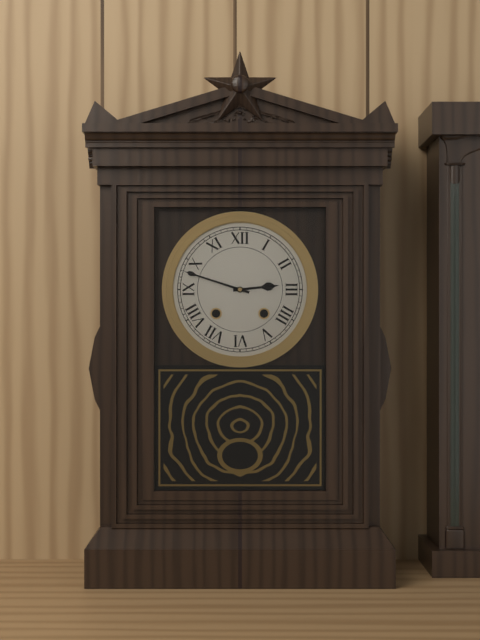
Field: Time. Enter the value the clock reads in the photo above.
2:48
